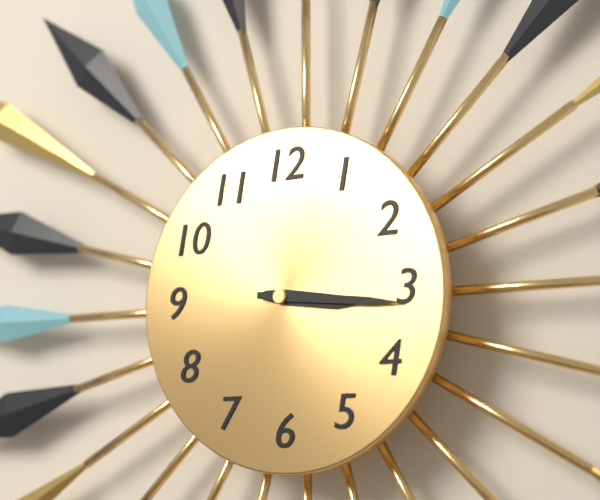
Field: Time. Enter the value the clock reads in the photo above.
3:16
